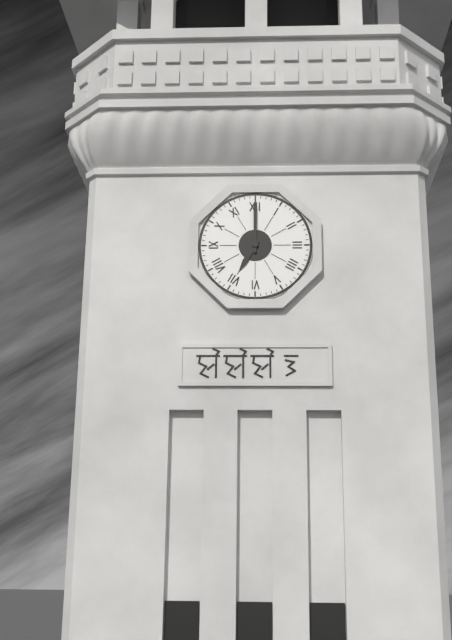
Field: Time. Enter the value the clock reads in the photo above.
7:00
